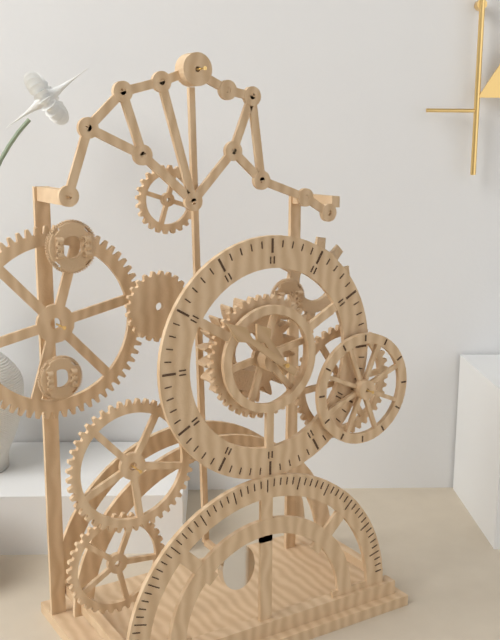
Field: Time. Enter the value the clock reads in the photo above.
10:51
